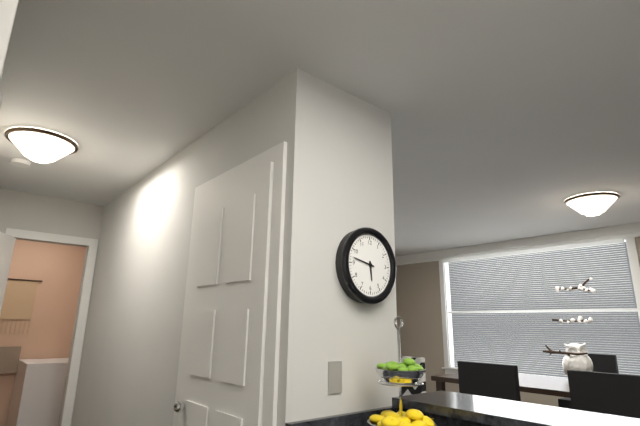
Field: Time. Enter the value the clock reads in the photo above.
5:47
